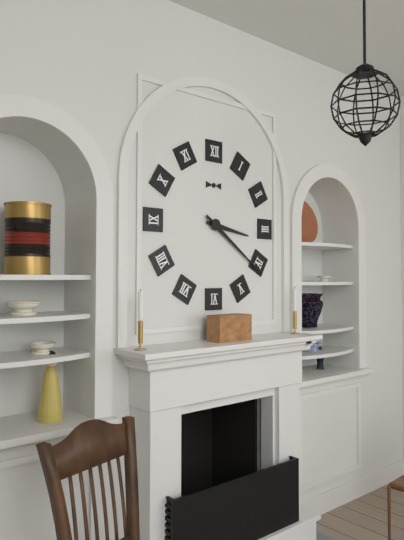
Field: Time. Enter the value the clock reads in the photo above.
3:21
